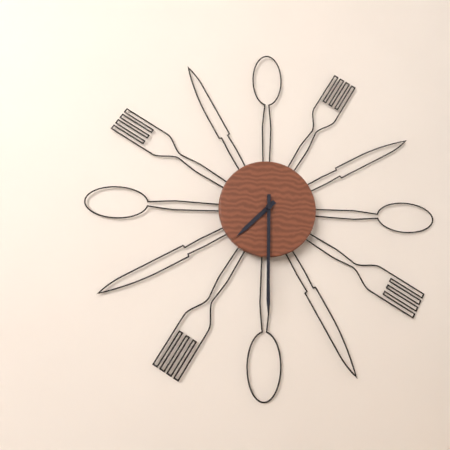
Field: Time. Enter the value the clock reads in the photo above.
7:30
